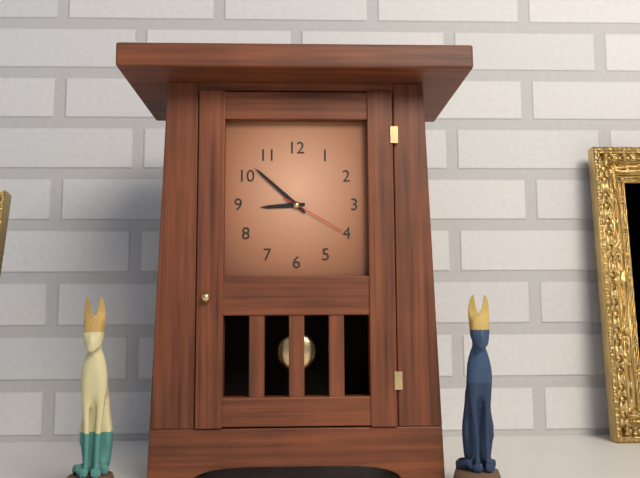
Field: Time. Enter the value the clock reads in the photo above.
8:52:20
